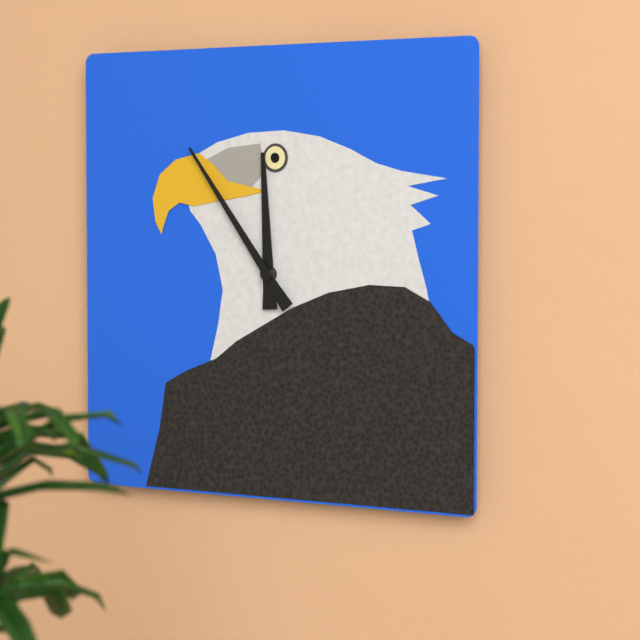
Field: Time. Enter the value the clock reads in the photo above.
11:54
